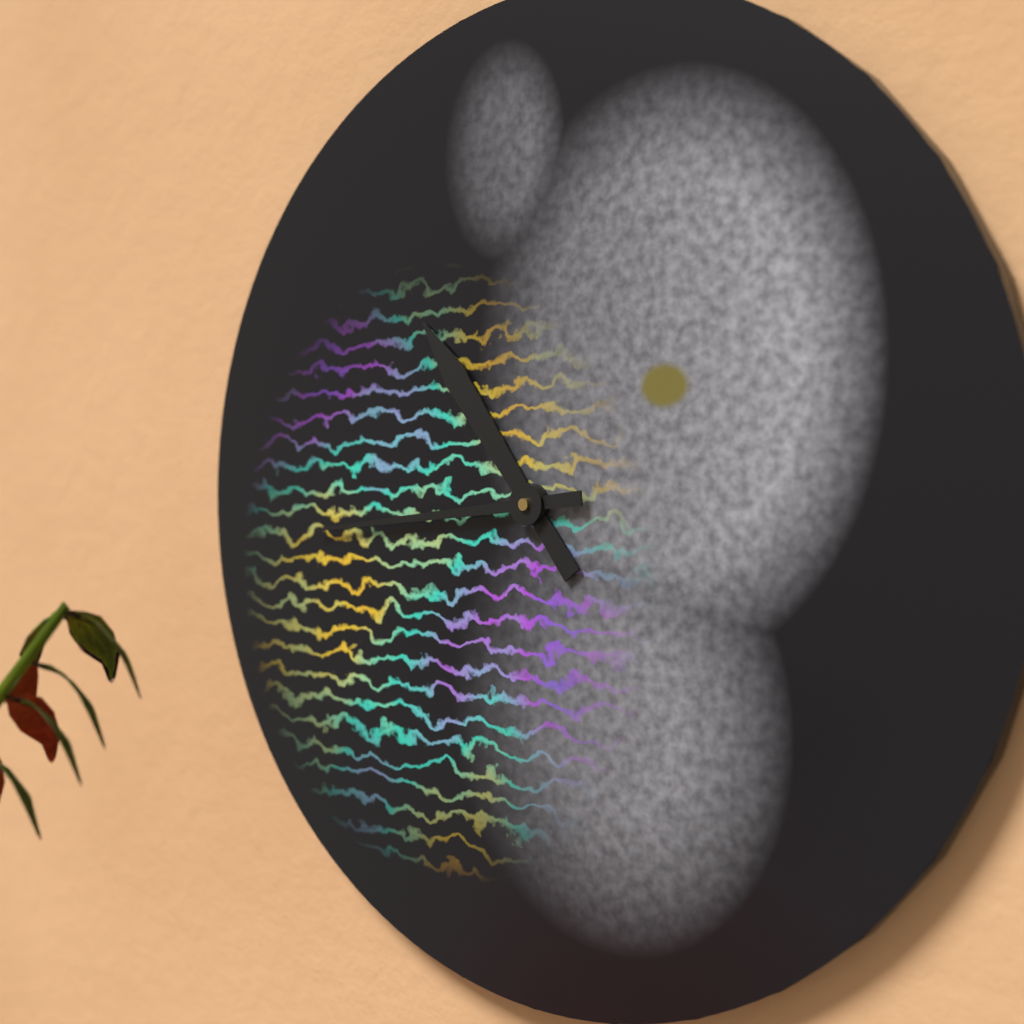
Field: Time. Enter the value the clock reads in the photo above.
10:44
